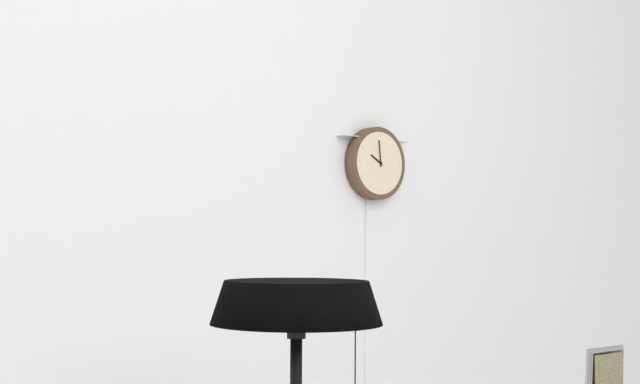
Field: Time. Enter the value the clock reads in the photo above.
9:59
